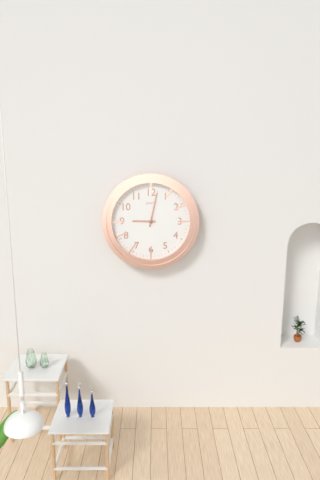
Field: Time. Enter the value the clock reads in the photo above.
9:02
